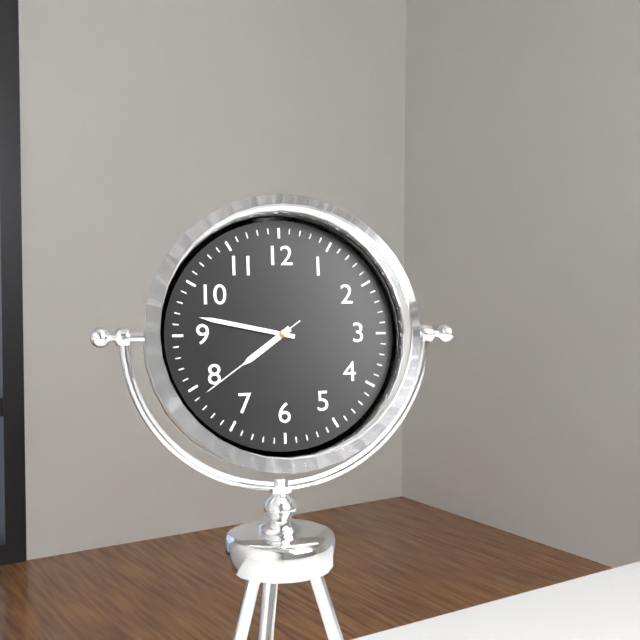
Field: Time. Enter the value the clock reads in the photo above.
7:47:39
